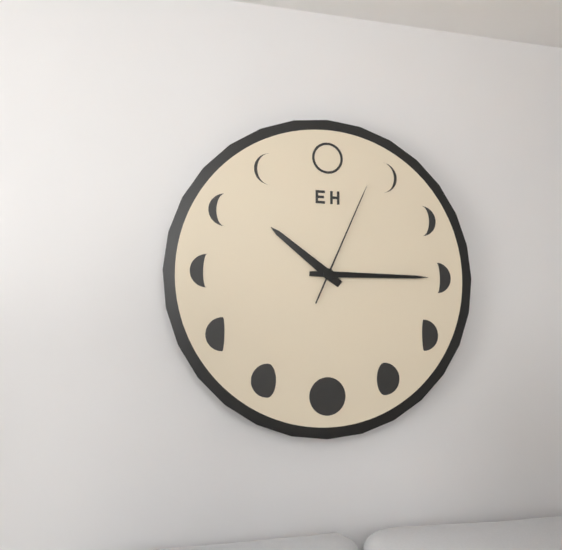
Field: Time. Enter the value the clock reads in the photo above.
10:15:04
